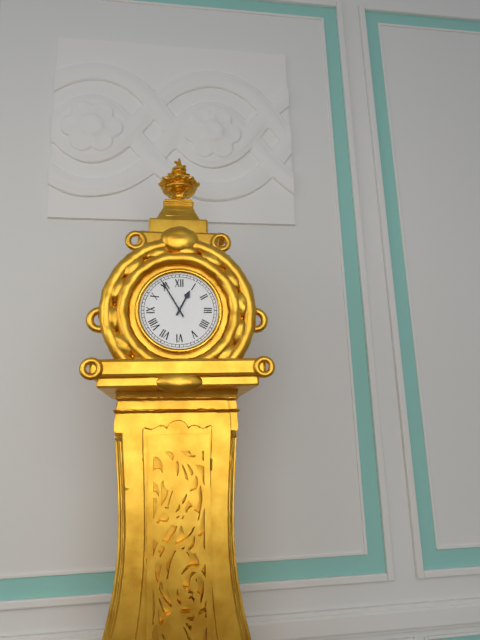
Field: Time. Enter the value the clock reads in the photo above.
12:55
